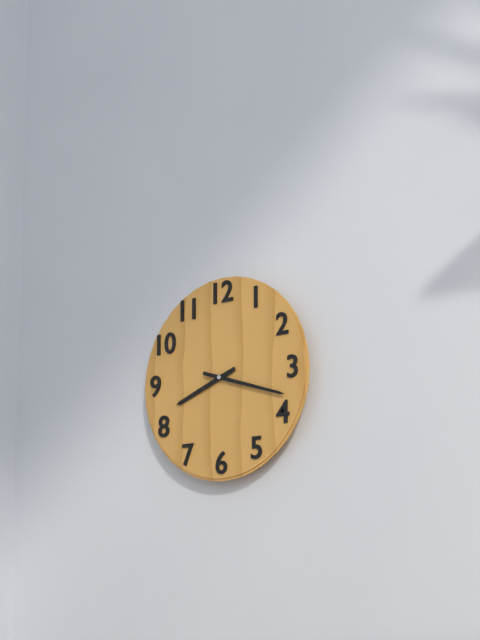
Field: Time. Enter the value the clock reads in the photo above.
8:18
